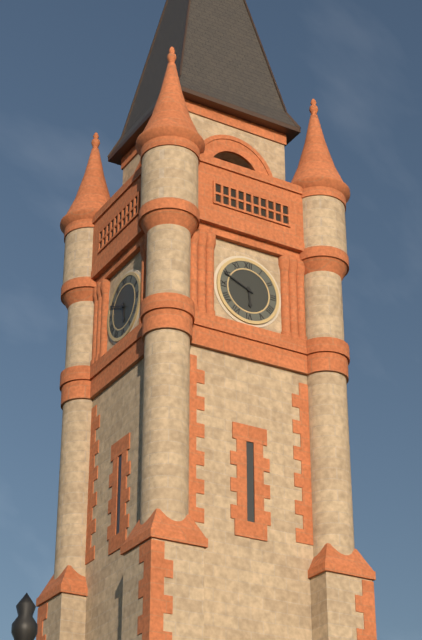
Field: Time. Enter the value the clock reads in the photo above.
5:49
